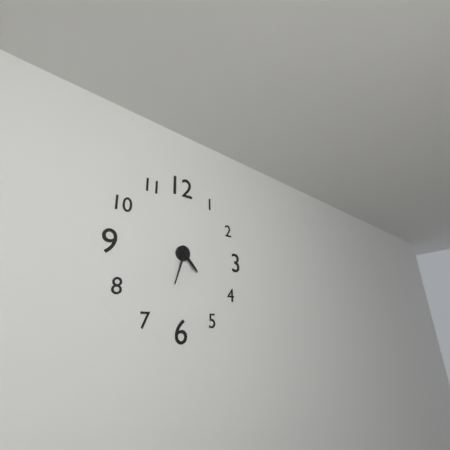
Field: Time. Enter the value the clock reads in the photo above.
4:33
